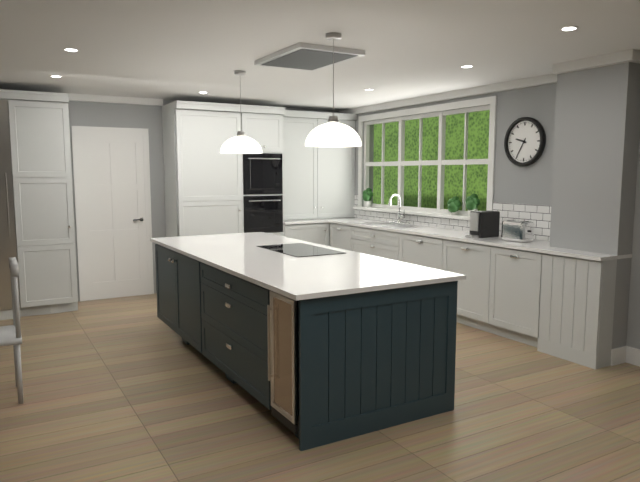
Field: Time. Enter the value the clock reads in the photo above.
9:35
